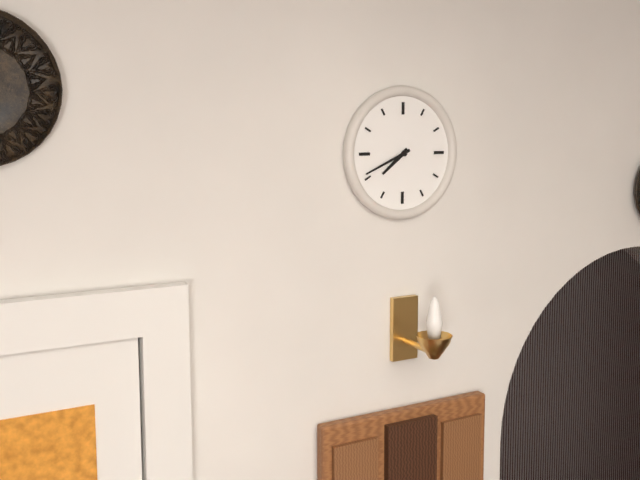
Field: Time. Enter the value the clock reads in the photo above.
7:41
